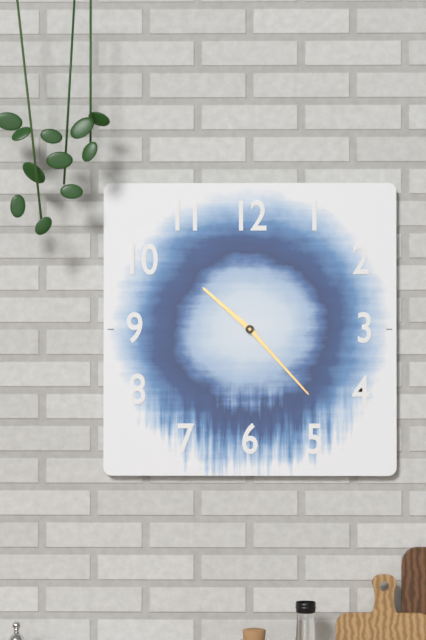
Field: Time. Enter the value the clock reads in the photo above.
10:23
